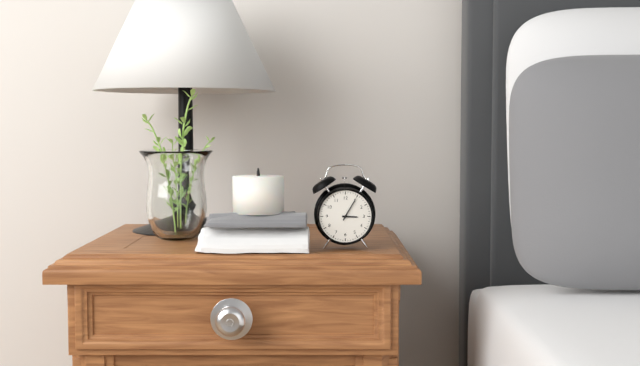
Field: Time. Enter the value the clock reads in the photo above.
3:05
